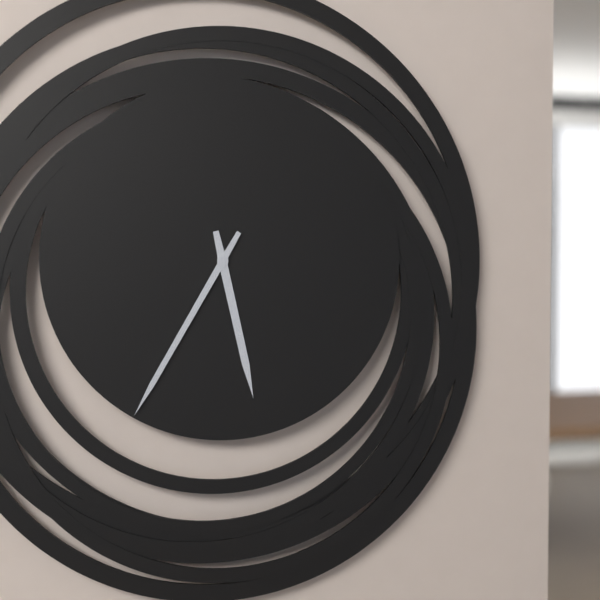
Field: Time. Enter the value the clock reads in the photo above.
5:35
